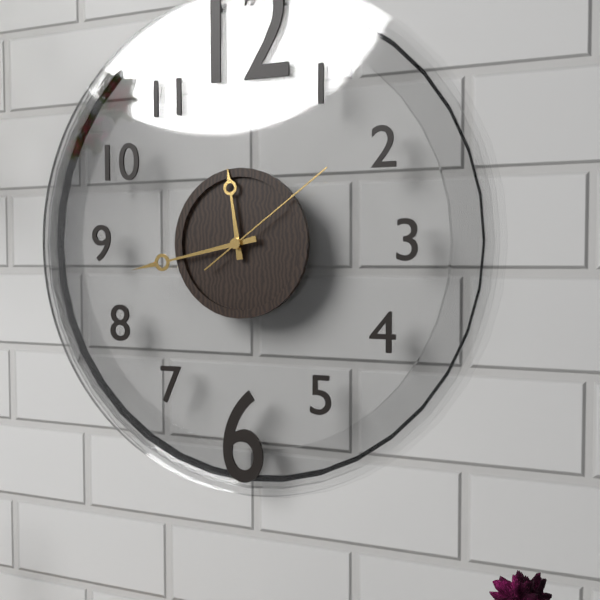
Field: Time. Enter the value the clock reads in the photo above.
11:43:09
